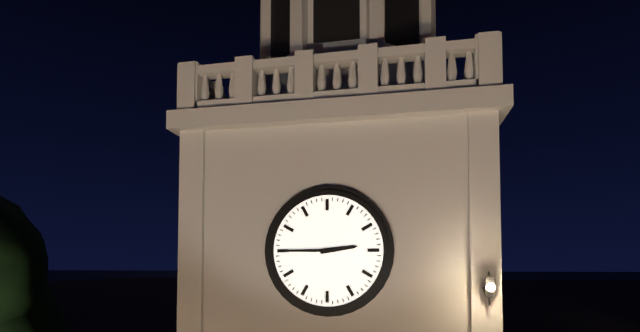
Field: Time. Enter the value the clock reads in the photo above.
2:45
